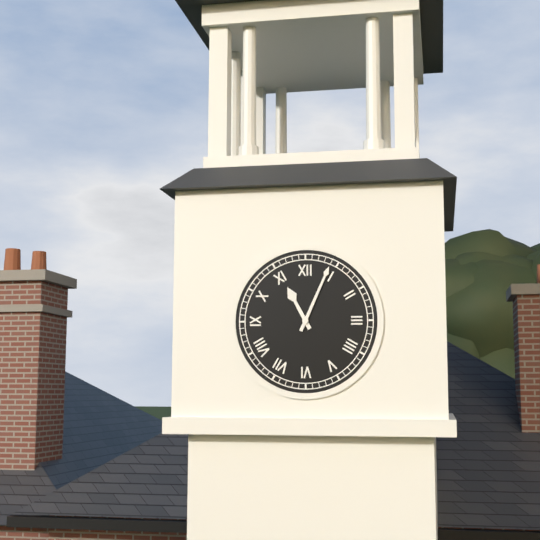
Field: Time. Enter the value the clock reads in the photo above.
11:04
